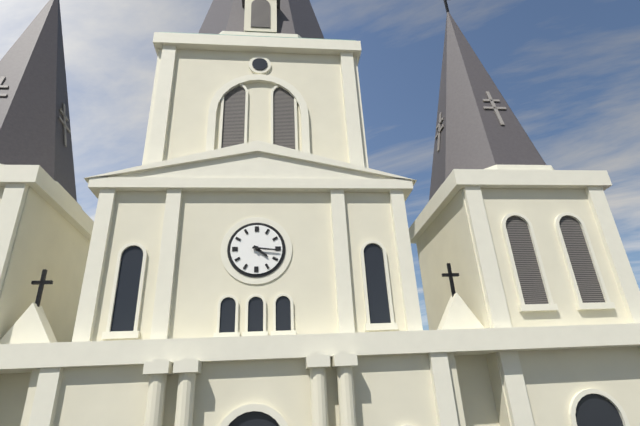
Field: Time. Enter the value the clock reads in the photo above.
4:16
